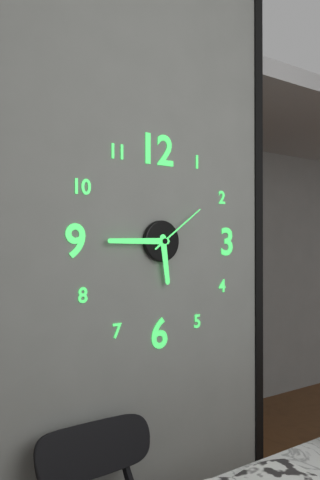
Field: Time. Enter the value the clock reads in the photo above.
5:45:09
